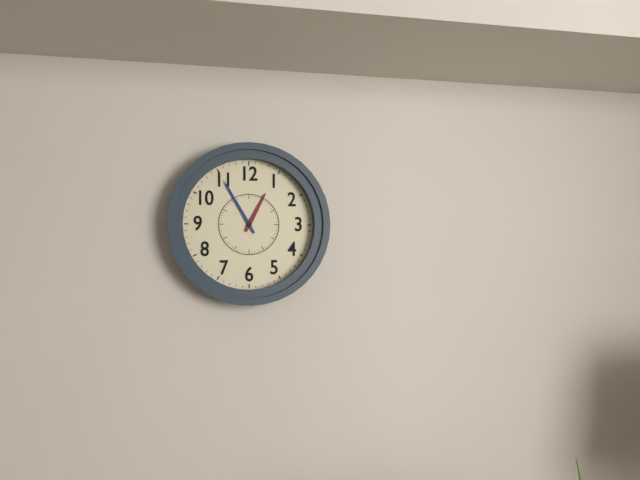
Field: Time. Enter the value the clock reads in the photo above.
12:55
